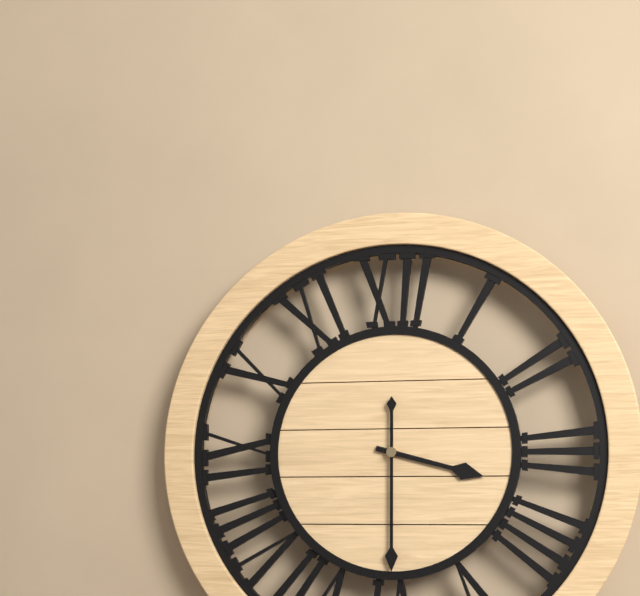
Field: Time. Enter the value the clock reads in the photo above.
3:30
